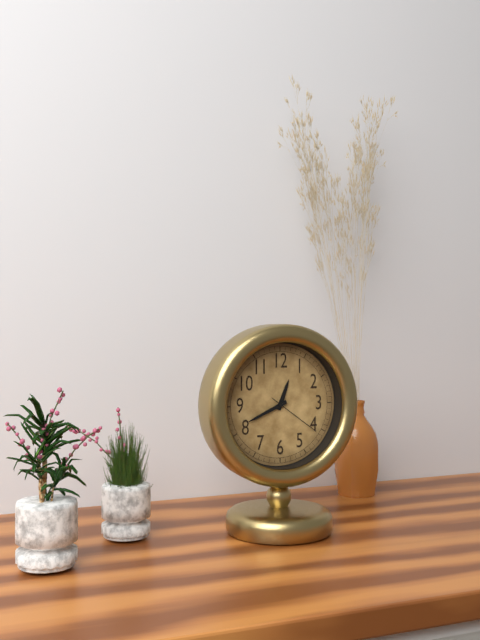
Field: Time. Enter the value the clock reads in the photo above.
12:41:21
